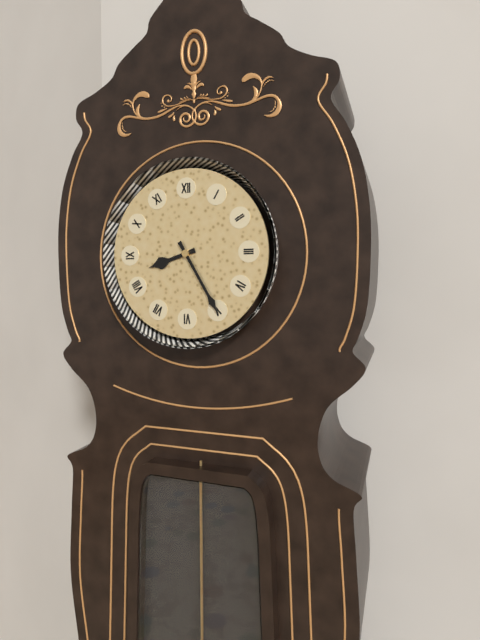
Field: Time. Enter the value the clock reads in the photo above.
8:25
